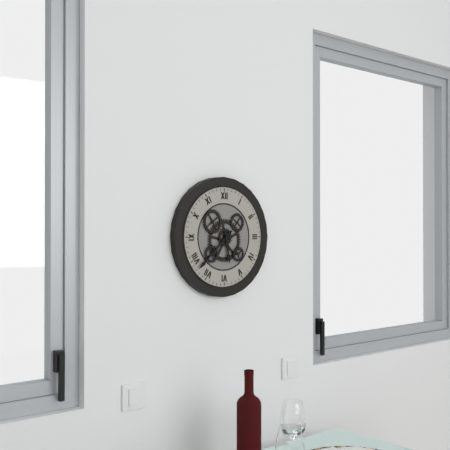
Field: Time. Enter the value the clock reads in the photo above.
5:38
